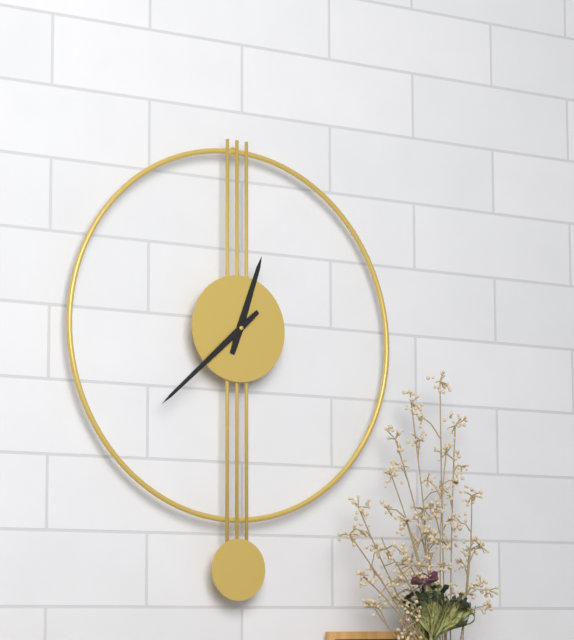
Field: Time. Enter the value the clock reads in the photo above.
12:38
